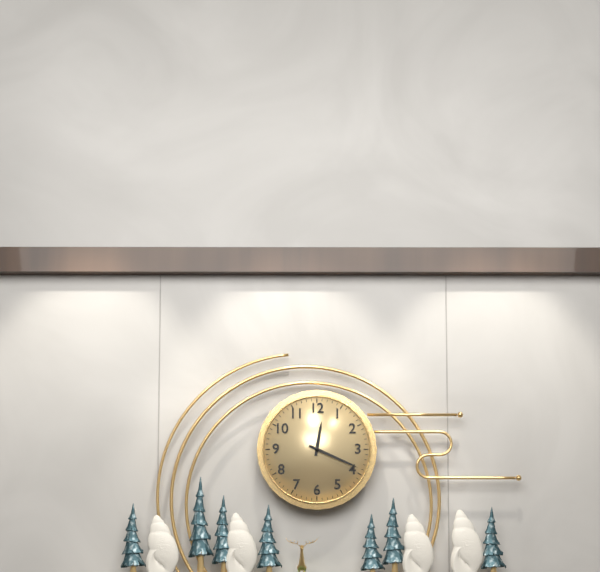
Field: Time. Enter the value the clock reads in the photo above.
12:19
